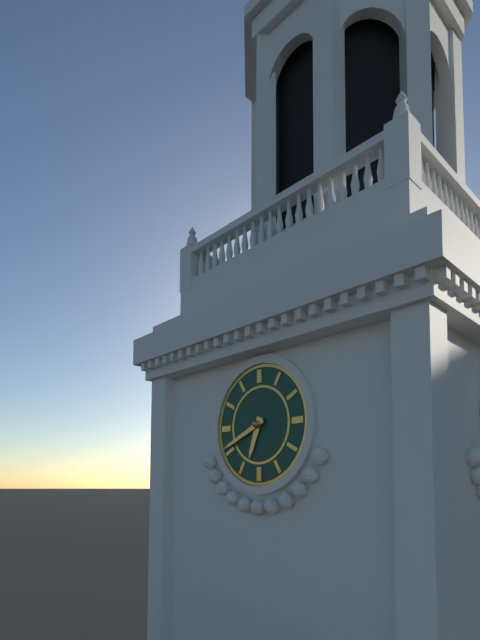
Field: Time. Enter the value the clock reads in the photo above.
6:41
